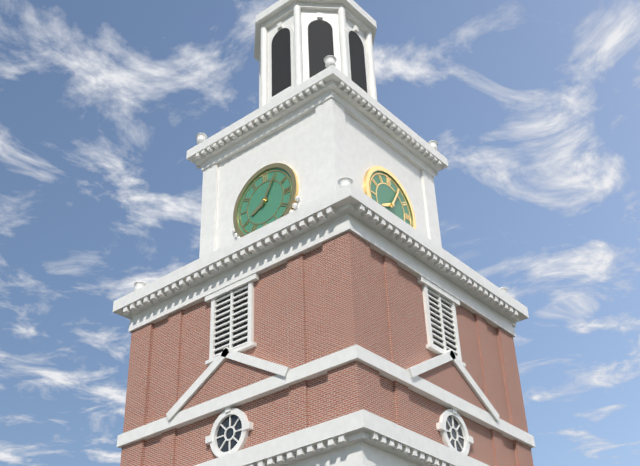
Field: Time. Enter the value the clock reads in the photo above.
8:05
